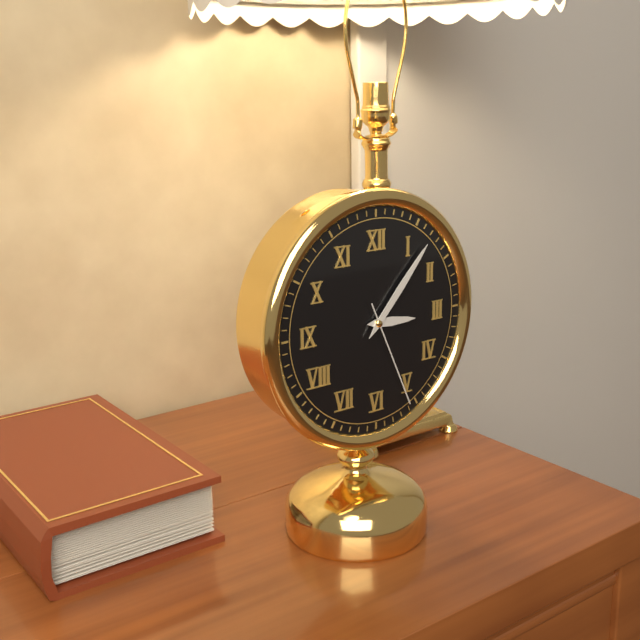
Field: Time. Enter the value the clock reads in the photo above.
3:07:26
